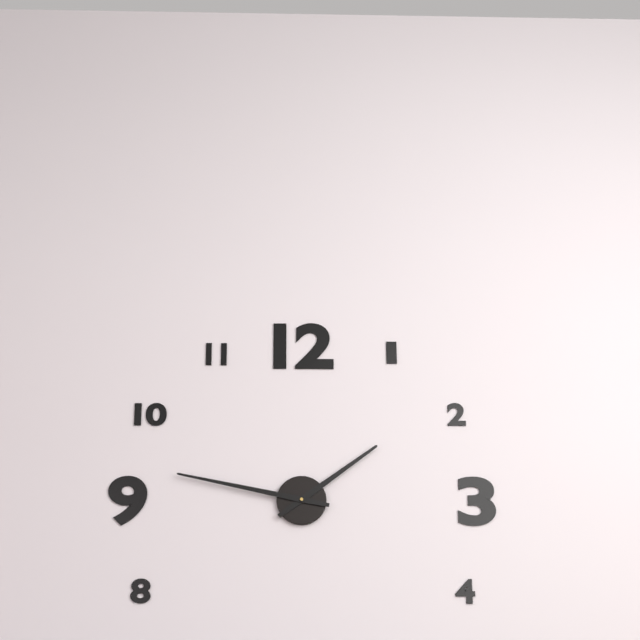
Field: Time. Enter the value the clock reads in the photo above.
1:47
